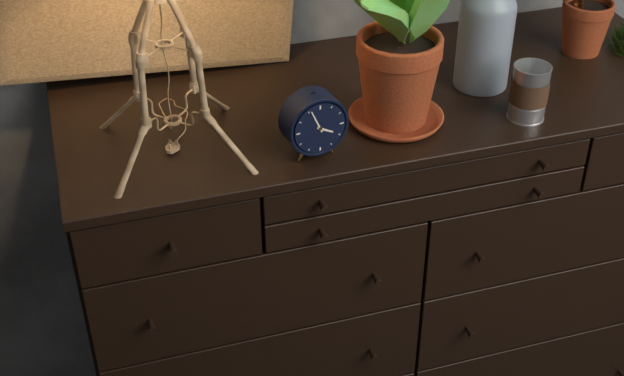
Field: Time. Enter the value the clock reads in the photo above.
3:56
